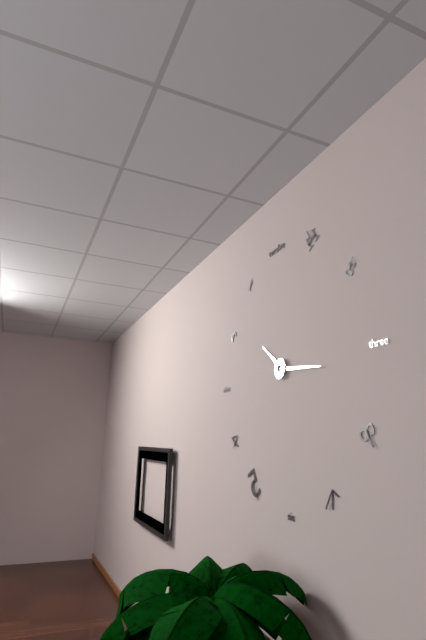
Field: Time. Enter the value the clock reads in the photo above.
10:16
